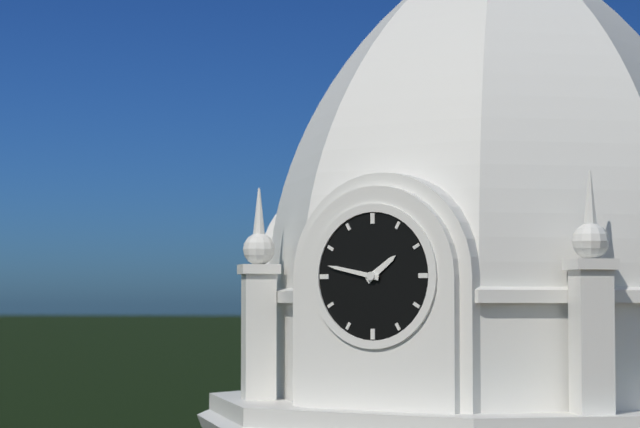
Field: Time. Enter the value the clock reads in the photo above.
1:47
